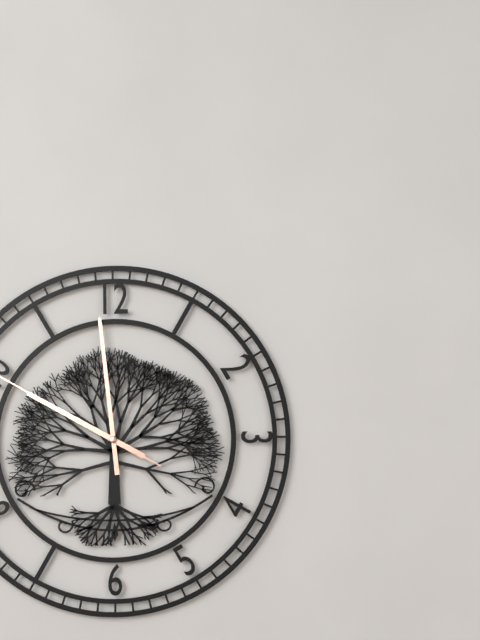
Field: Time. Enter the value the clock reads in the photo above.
9:59
